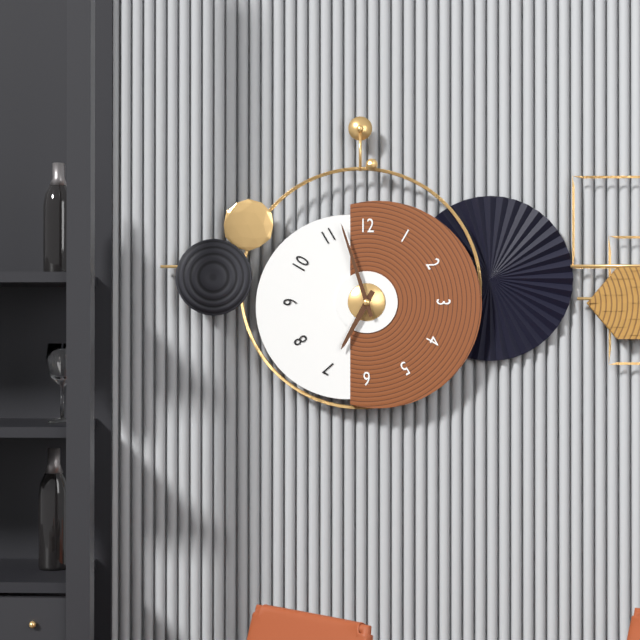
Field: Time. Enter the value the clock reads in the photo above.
6:57
